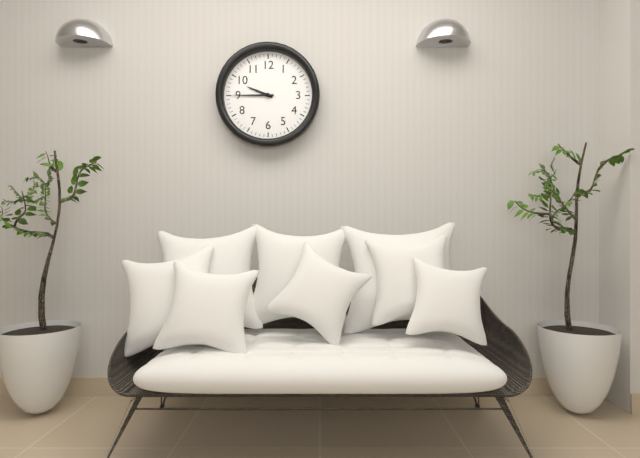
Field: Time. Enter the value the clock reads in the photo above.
9:45
